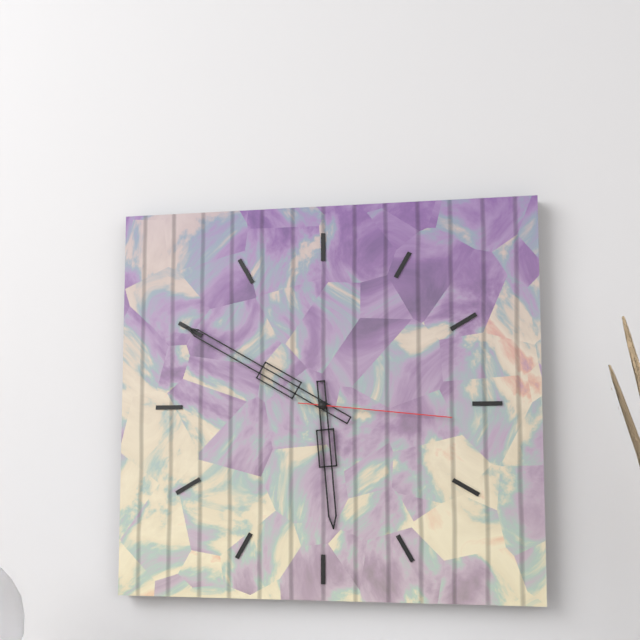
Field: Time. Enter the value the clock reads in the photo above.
5:50:16
